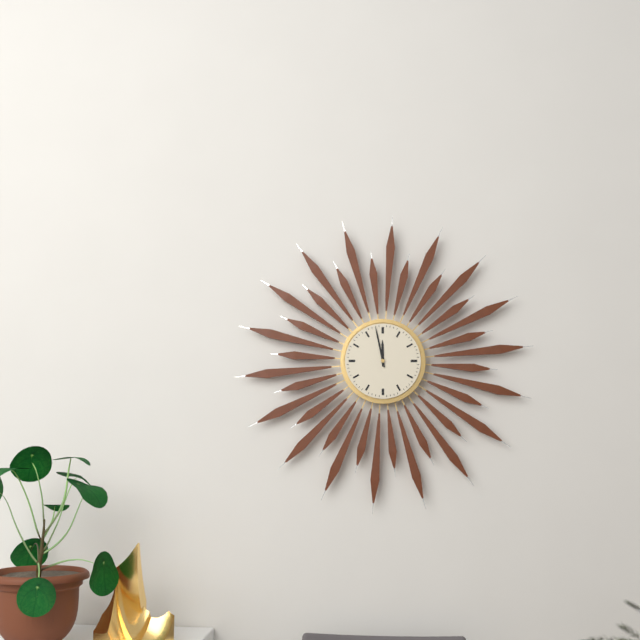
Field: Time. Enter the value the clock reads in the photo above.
11:58
